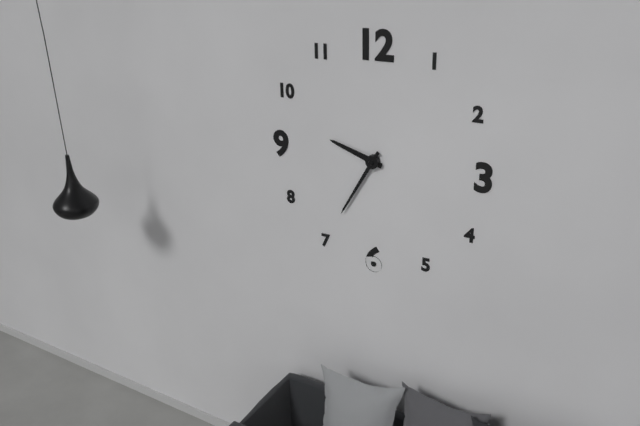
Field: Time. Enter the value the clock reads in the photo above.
9:35
